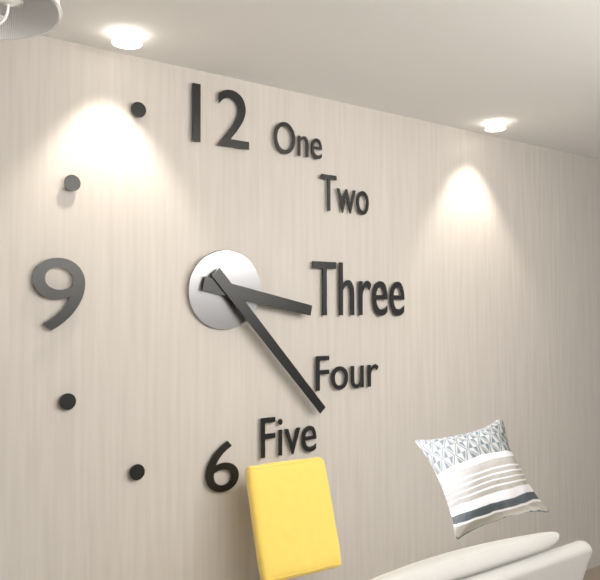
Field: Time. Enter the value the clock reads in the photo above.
3:23
